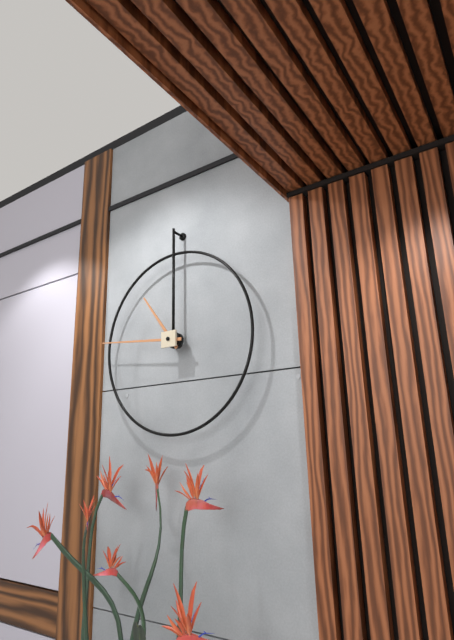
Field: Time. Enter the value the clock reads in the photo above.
10:46
